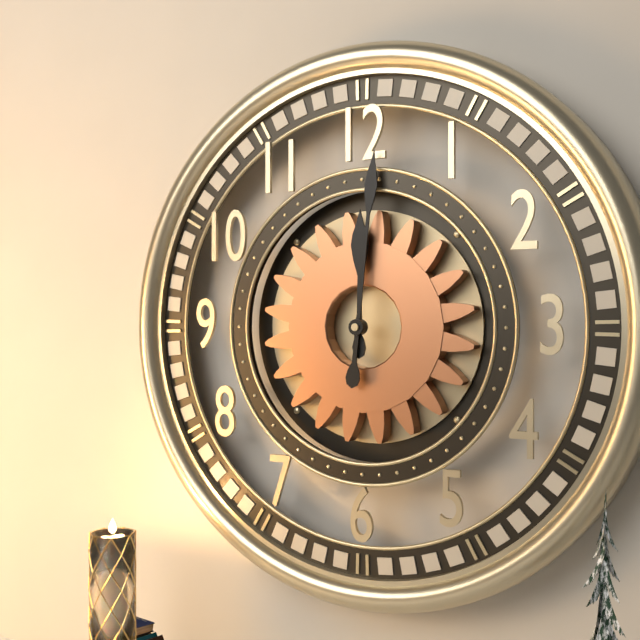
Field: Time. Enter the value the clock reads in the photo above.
12:01
